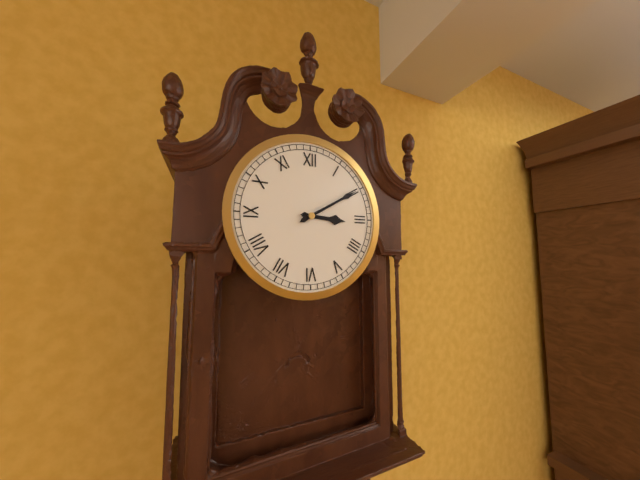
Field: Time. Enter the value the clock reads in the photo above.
3:10
